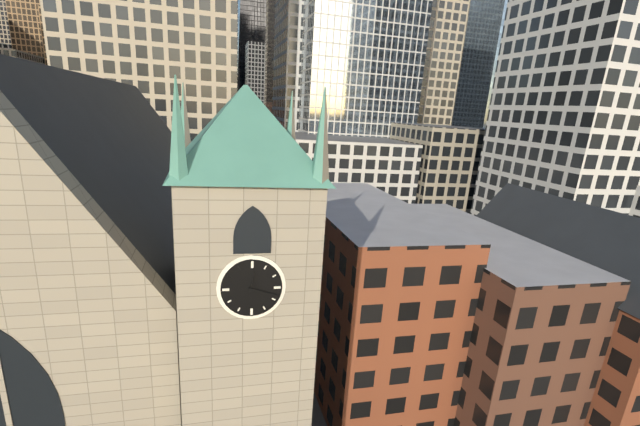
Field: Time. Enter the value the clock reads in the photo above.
12:18
